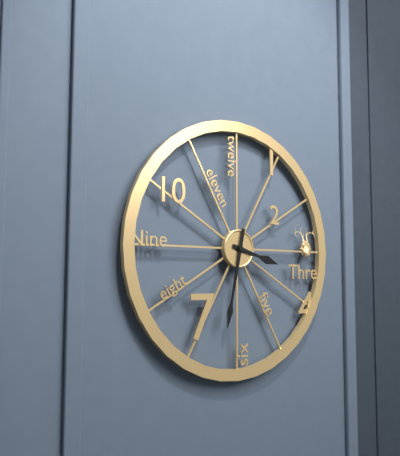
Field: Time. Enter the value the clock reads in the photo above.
3:32
